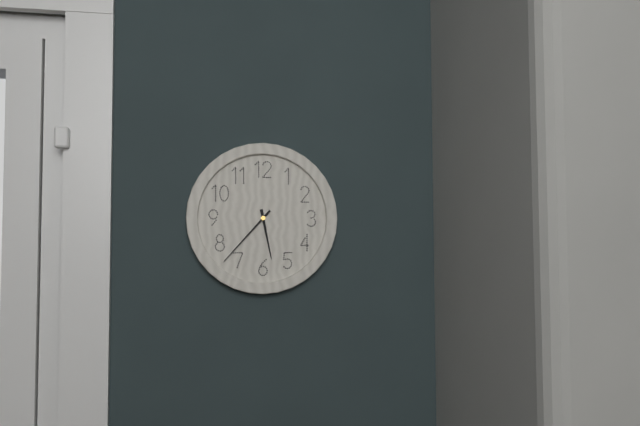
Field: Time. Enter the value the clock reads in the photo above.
5:37
